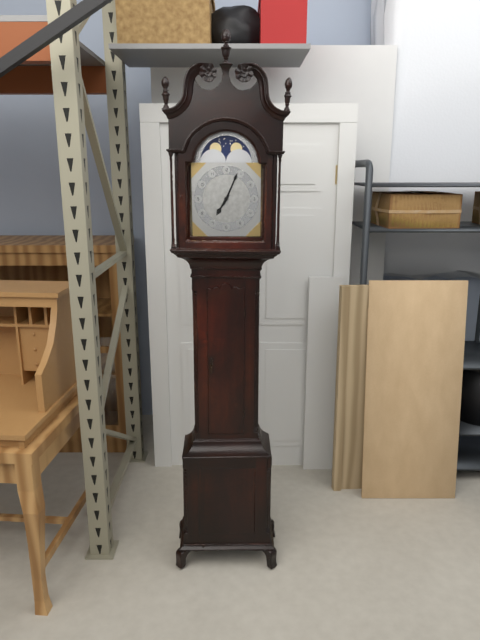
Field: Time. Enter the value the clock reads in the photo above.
7:04
